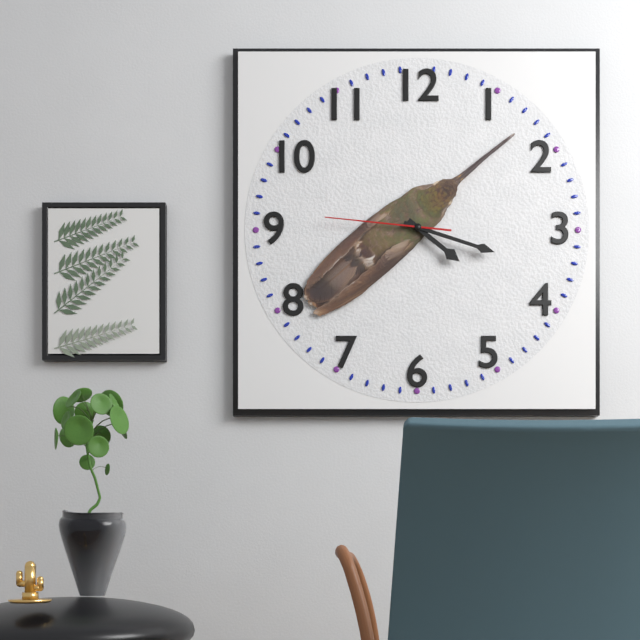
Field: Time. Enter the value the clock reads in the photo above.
4:18:46
